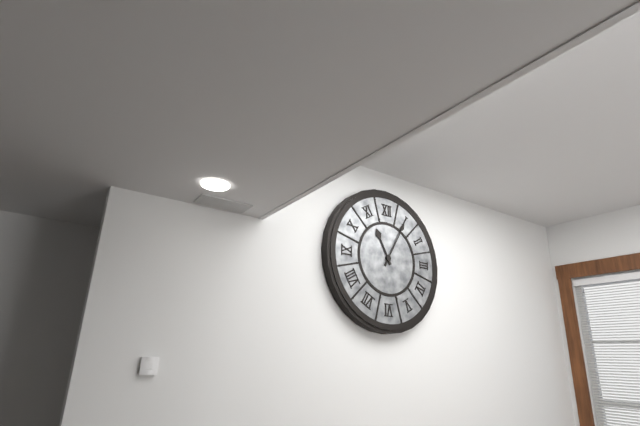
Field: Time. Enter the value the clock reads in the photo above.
11:05
